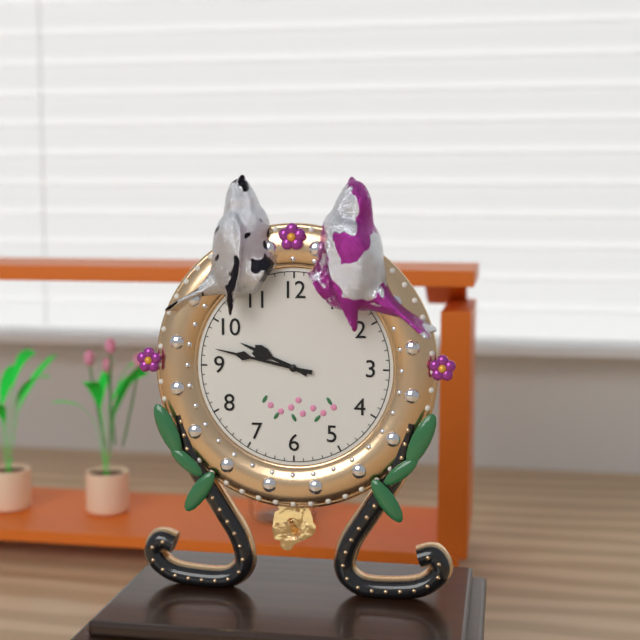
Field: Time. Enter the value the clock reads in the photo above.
9:47
